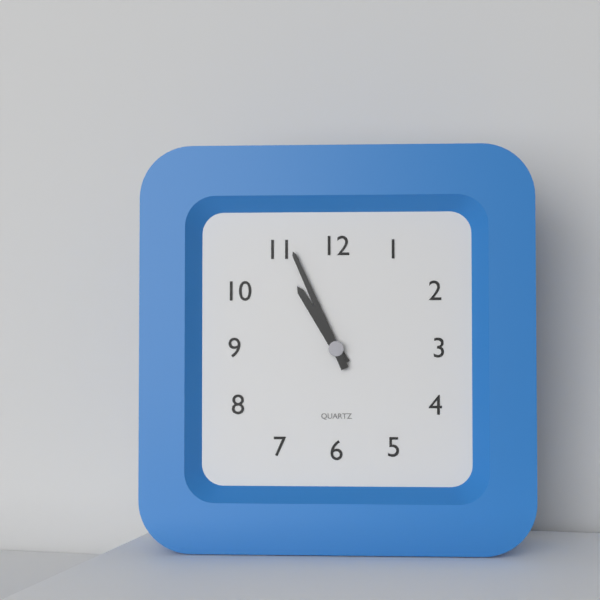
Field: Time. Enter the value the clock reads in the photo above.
10:56
